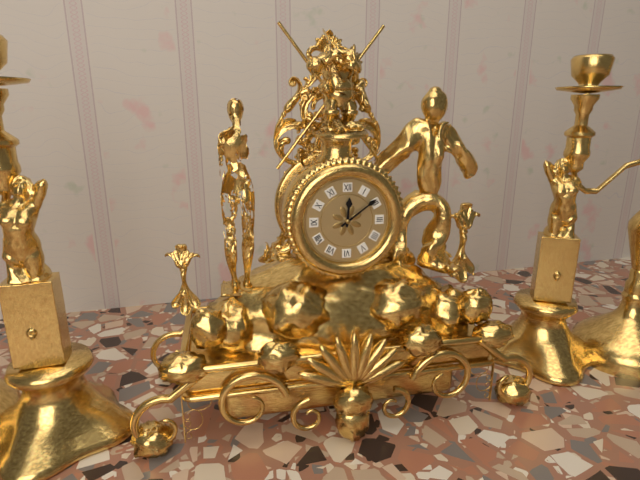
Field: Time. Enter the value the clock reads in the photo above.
12:09
